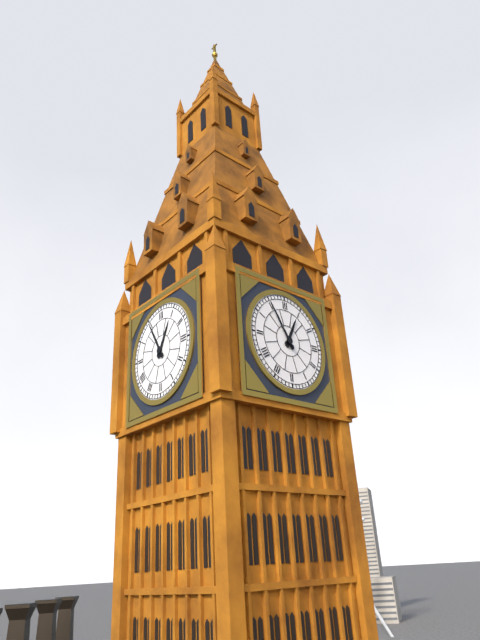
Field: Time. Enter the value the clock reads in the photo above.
12:55
